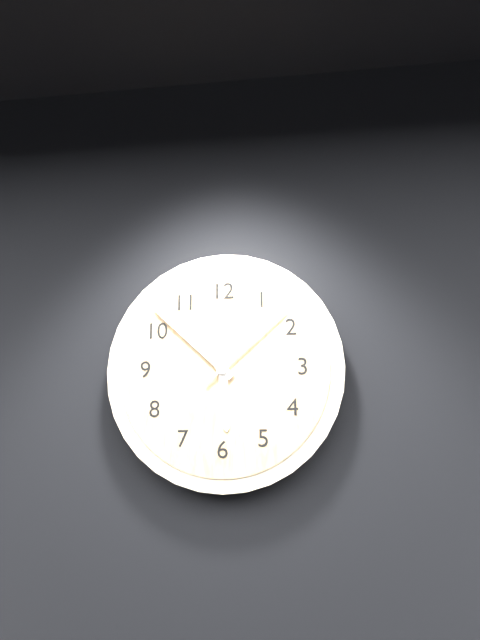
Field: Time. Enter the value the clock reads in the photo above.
5:52:08
